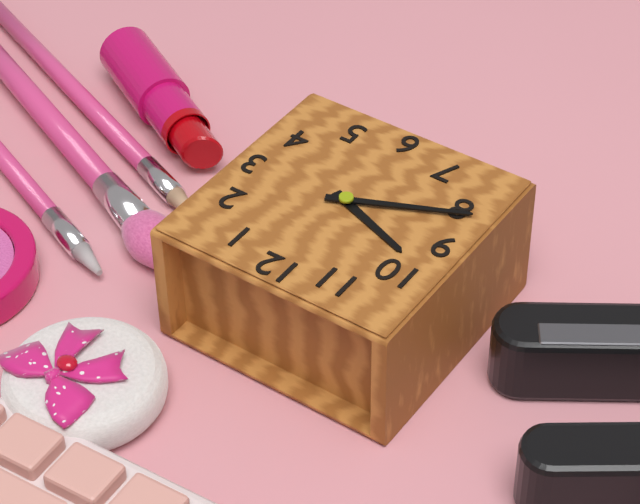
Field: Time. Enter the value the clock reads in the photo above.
9:41
